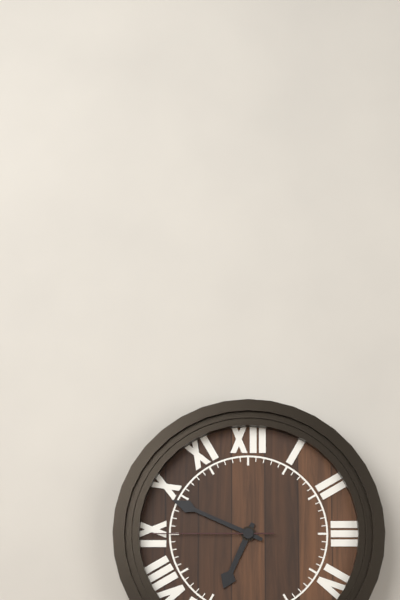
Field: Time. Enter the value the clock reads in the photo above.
6:49:45
